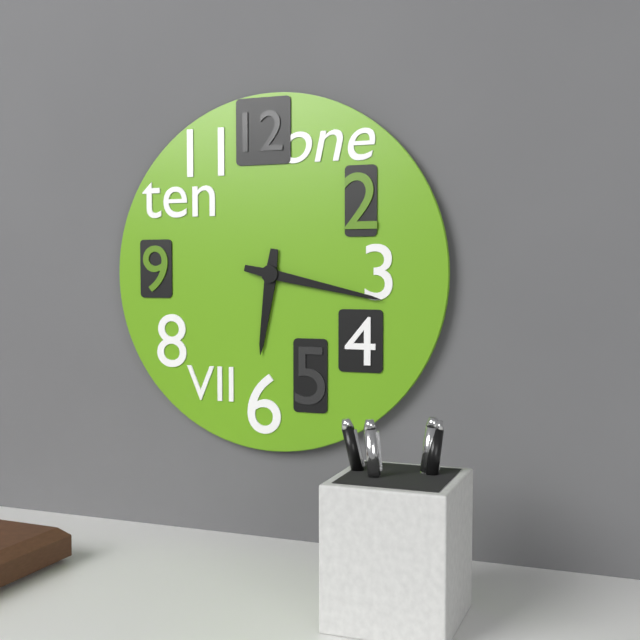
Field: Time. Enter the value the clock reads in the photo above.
6:17
